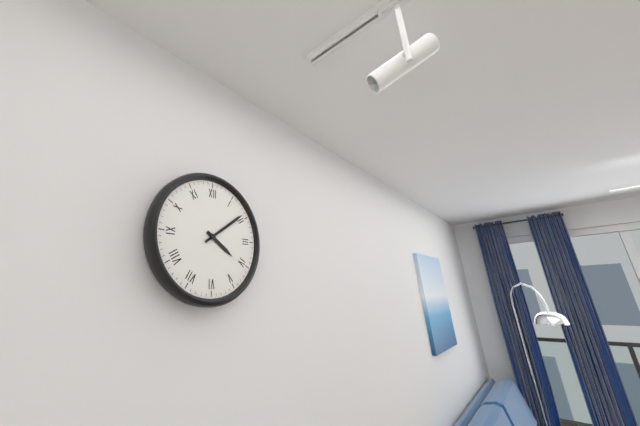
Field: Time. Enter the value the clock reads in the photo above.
4:09
